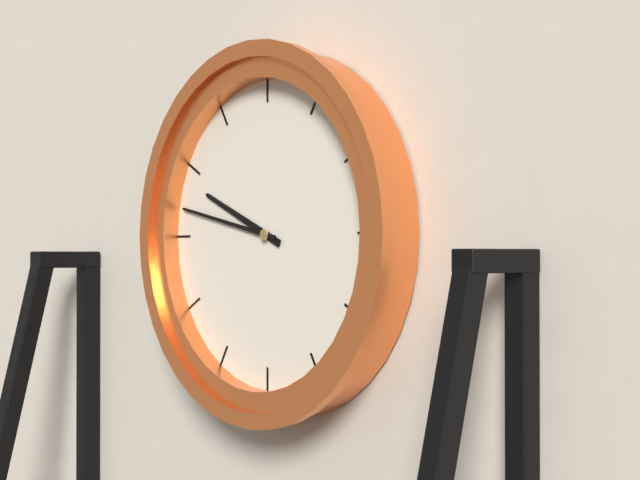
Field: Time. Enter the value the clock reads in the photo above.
9:47
